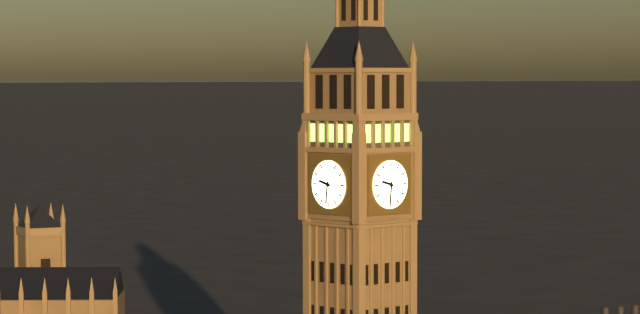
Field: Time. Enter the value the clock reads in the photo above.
9:31
